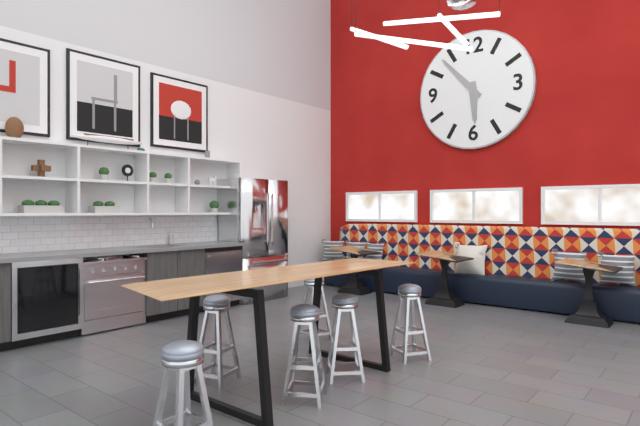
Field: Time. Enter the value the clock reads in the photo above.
5:53
